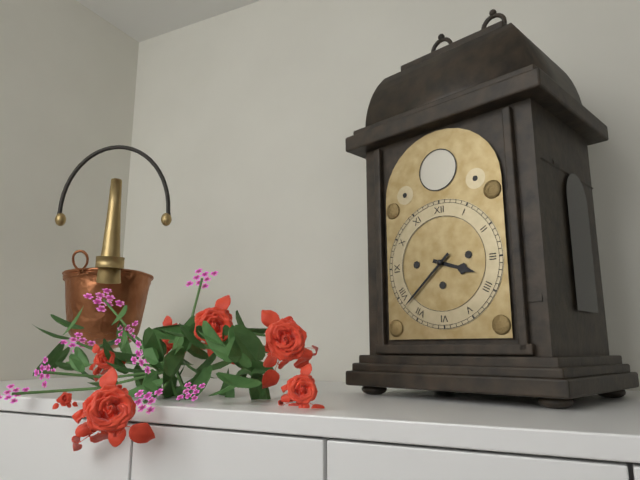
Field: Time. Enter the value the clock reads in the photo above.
3:38
